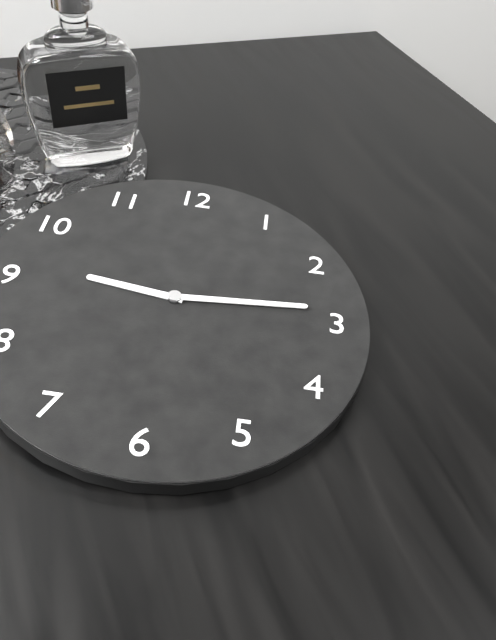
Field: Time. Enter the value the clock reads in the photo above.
9:14
